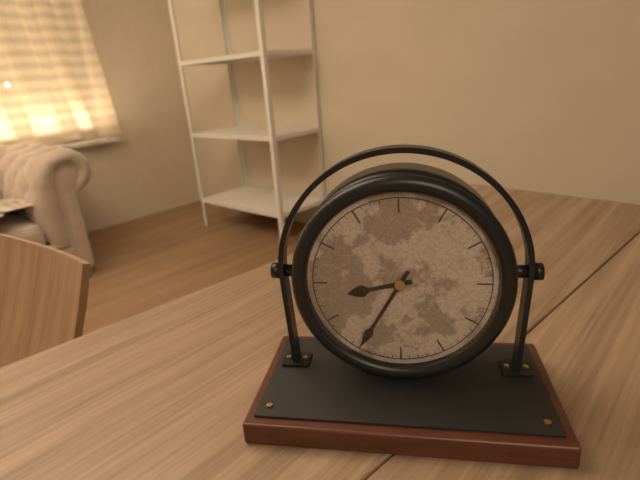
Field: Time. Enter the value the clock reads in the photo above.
8:35
